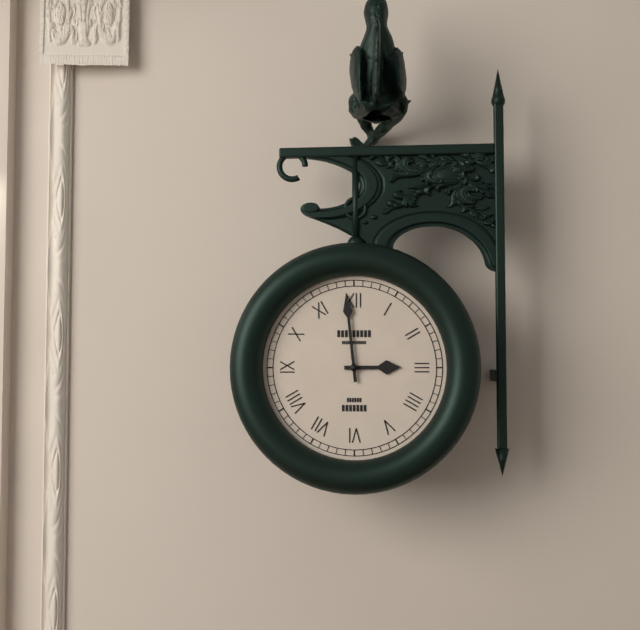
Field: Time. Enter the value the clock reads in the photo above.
2:59
